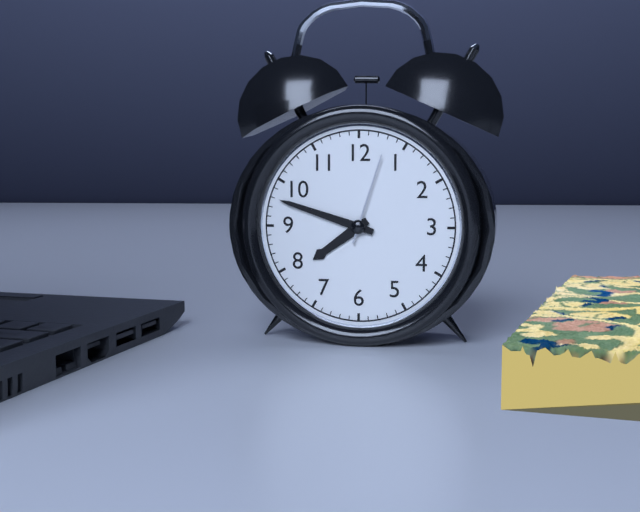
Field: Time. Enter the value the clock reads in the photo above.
7:48:03
